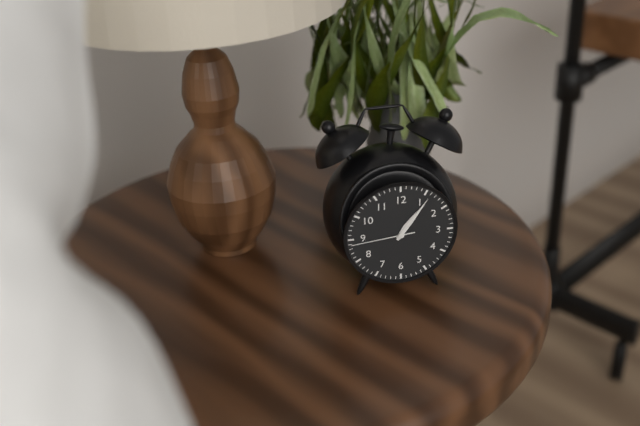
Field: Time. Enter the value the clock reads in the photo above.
1:06:44
